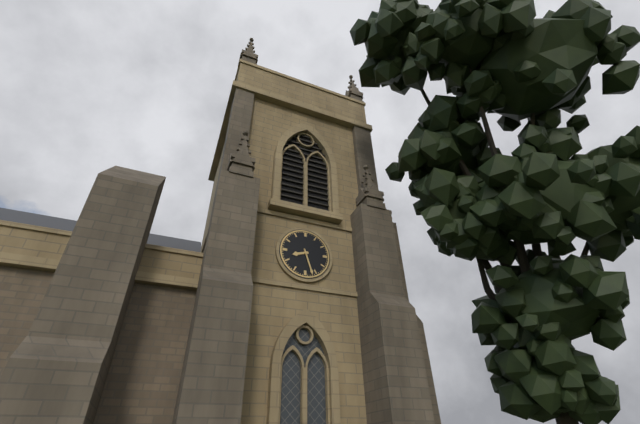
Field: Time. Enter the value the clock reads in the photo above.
8:27
